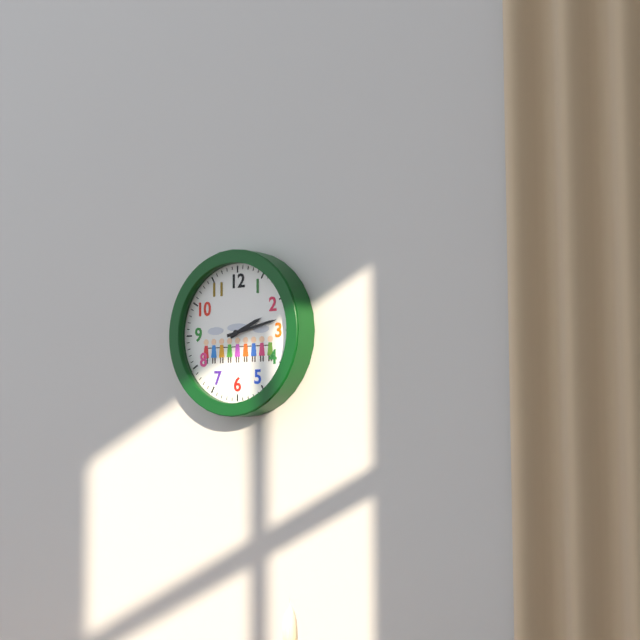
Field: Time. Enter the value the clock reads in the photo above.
2:13
